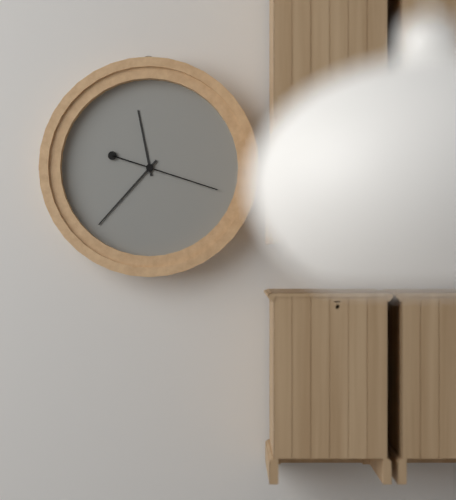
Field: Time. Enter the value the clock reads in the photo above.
11:37:18
